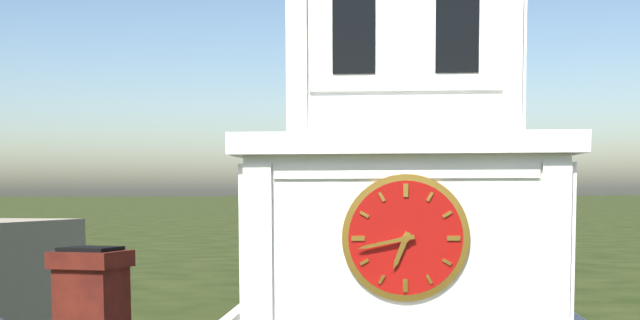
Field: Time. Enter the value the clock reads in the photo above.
6:43
